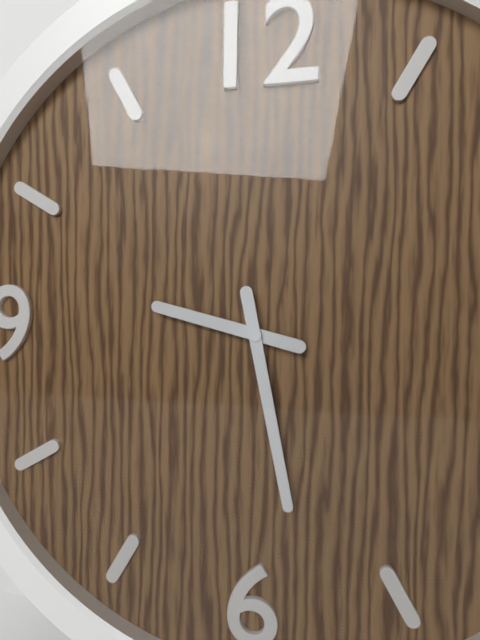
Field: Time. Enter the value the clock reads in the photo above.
9:28
